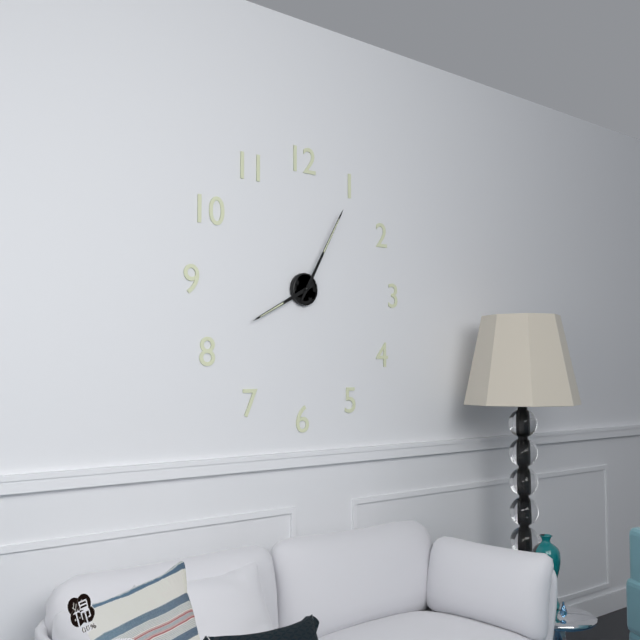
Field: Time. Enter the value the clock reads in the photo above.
8:05
